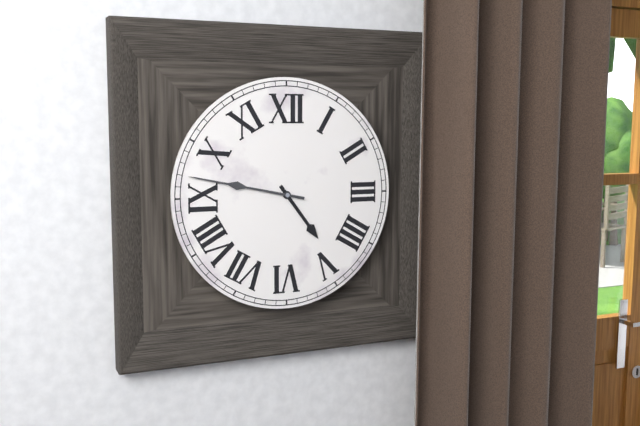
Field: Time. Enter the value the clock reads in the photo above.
4:47
